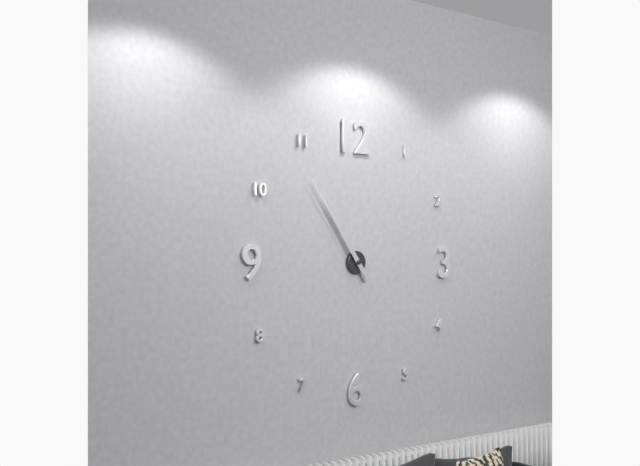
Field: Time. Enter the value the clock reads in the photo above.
10:54
